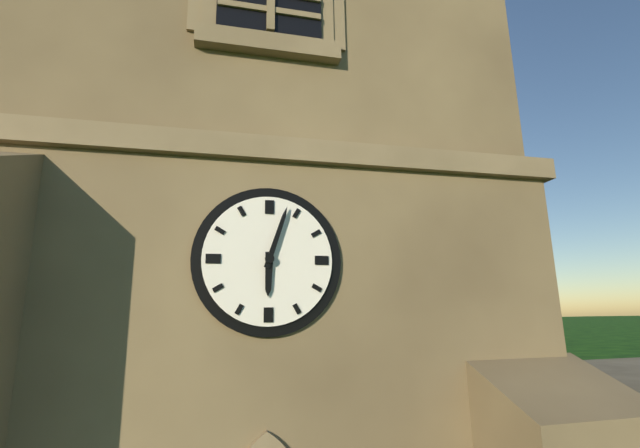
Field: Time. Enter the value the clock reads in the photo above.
6:03
